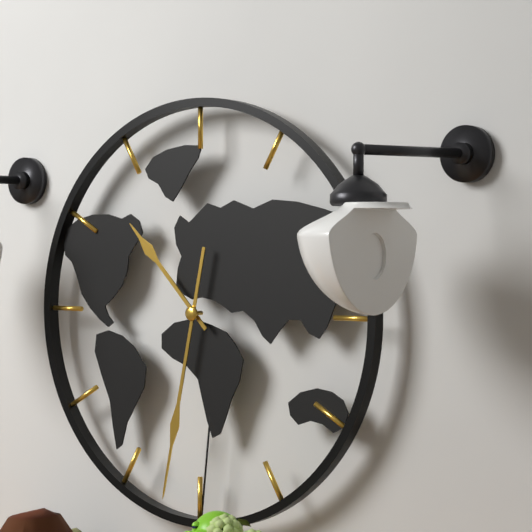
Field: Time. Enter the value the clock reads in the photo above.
10:32
